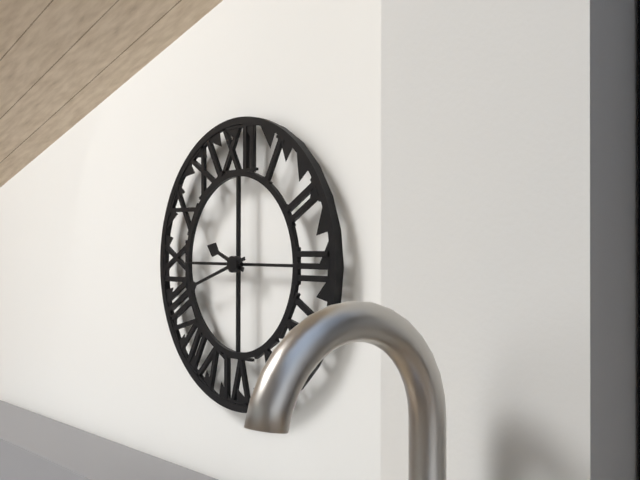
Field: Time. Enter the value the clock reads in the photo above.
9:42
